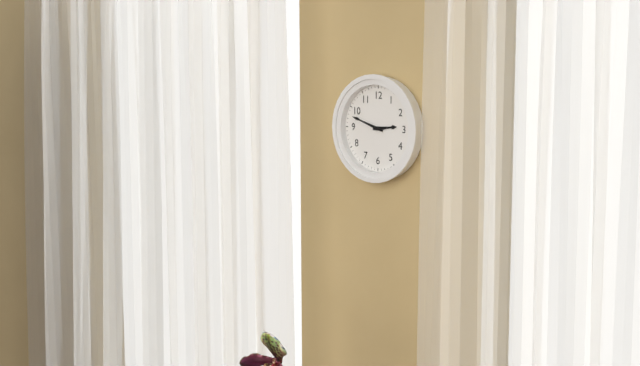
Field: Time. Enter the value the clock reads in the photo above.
2:48
